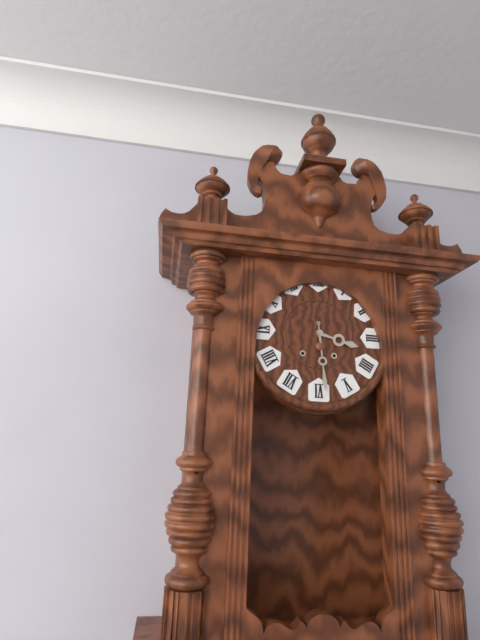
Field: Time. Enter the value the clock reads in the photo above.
3:29
